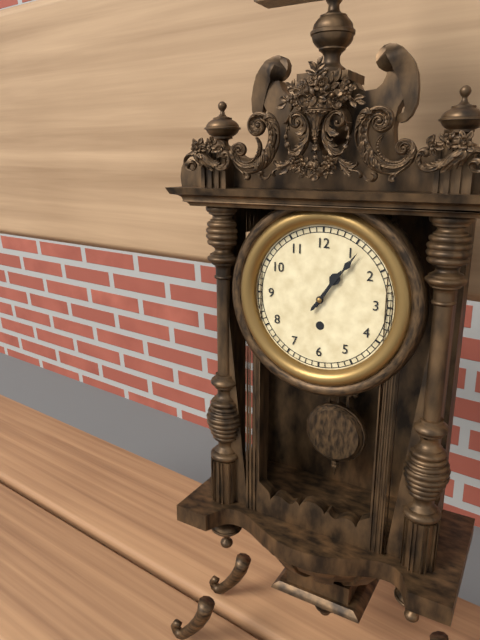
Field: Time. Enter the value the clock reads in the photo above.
1:06
